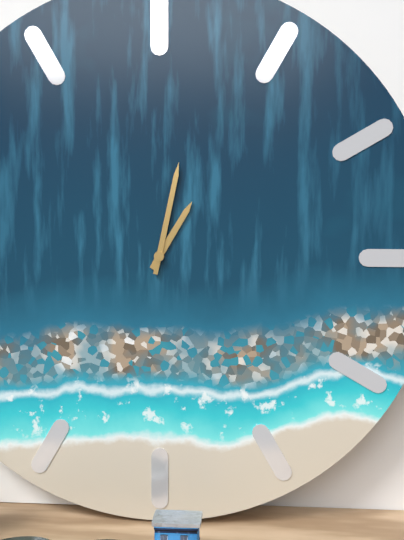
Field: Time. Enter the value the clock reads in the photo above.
1:02
